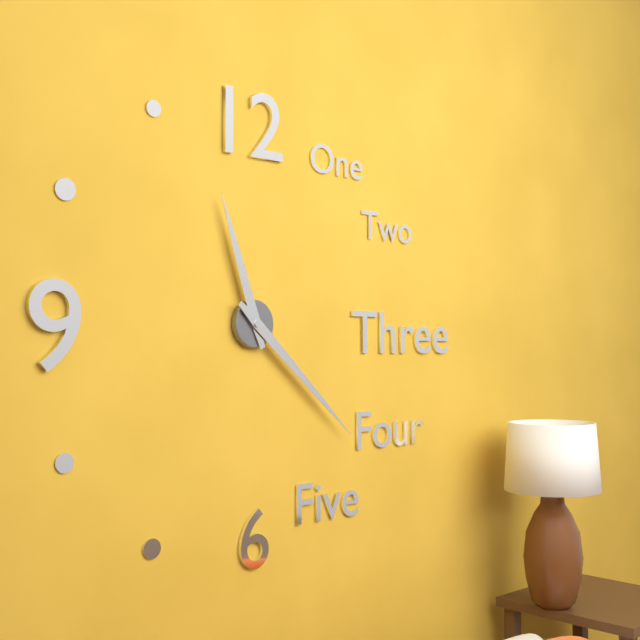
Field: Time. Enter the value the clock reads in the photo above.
11:22
